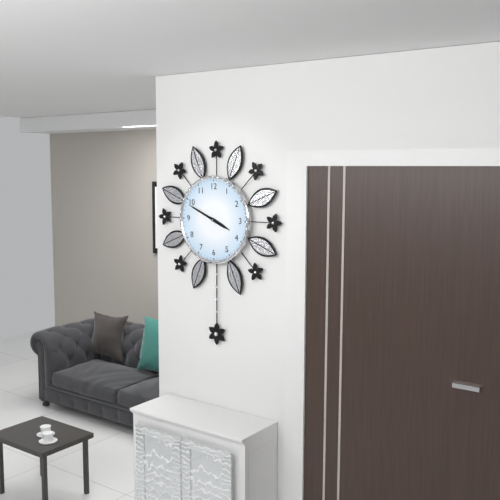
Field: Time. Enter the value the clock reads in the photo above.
3:49
